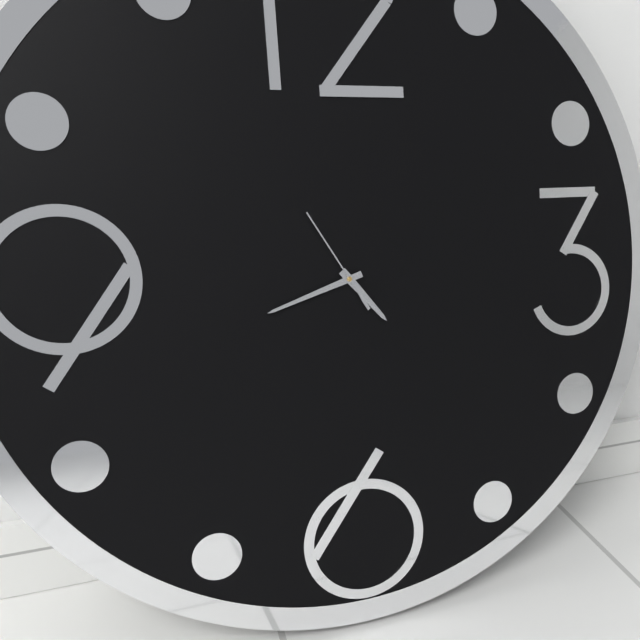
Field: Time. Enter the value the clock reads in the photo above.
4:42:55
